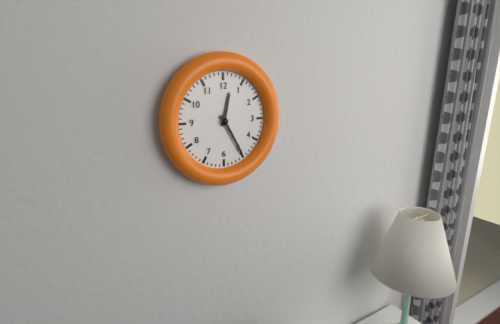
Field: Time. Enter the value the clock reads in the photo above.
12:25
